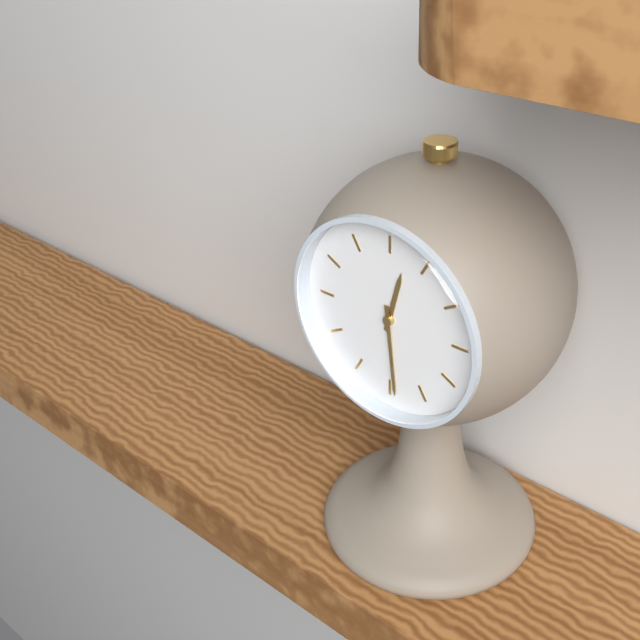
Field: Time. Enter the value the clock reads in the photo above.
12:29
